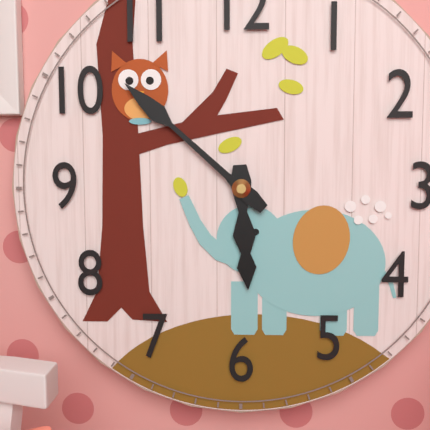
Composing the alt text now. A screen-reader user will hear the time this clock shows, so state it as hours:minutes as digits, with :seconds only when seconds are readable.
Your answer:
5:52
